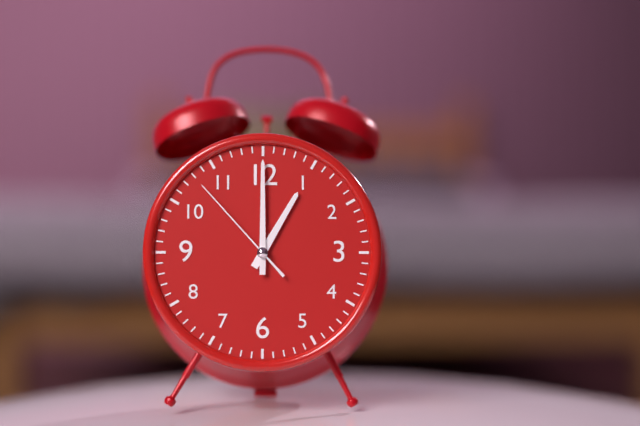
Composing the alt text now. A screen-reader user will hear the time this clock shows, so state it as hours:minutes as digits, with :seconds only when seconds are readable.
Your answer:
1:00:53
